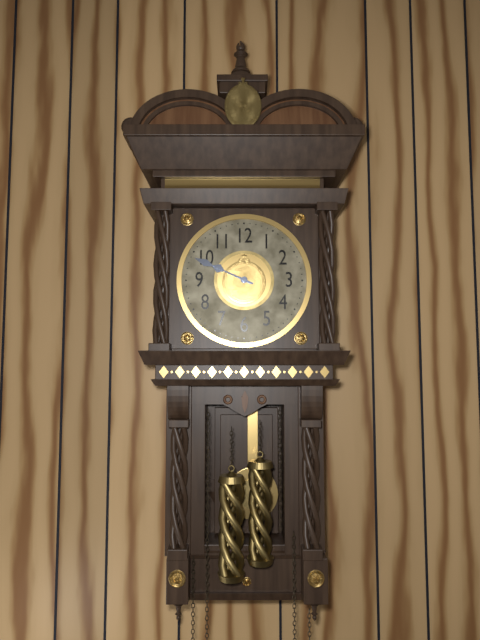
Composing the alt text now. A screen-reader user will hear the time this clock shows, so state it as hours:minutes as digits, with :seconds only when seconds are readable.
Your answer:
9:49
